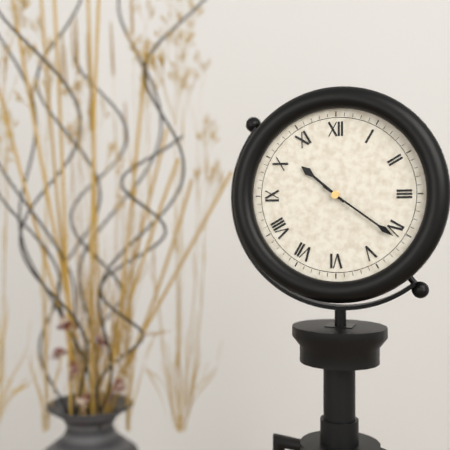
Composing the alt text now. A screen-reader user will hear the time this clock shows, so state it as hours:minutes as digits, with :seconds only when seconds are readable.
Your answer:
10:21
